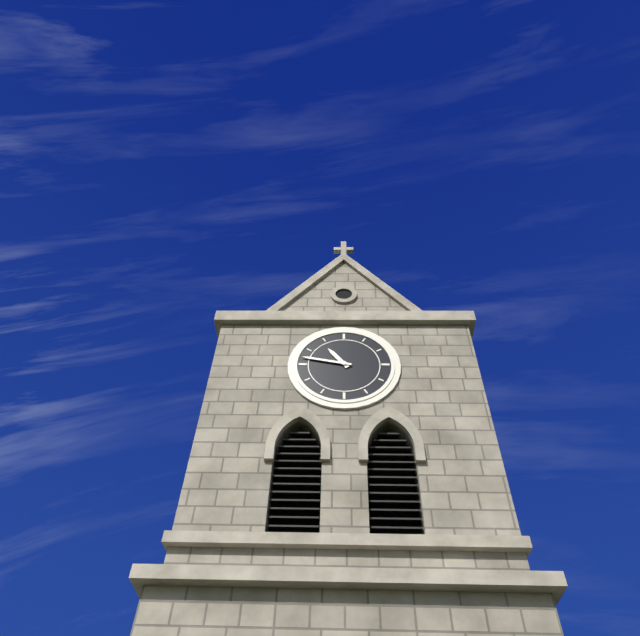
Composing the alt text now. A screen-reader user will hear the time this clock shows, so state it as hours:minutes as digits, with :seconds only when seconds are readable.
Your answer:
10:47
